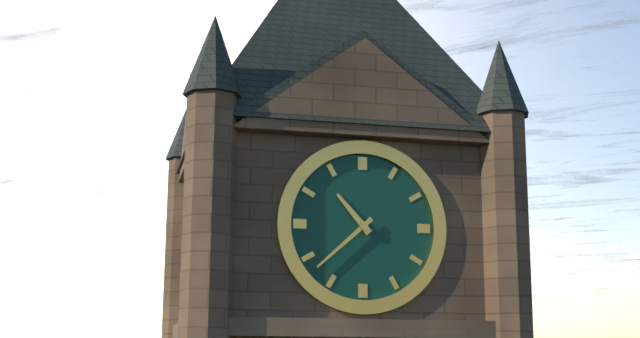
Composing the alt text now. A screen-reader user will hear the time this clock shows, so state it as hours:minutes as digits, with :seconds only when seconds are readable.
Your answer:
10:38
